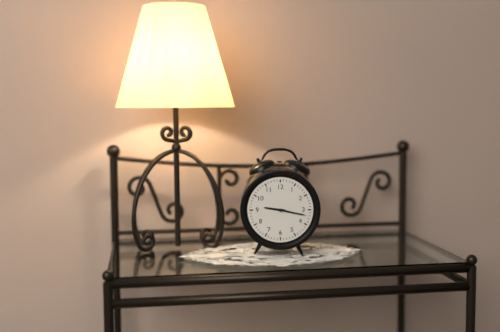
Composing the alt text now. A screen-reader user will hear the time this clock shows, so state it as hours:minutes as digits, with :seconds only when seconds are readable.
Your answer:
9:17
